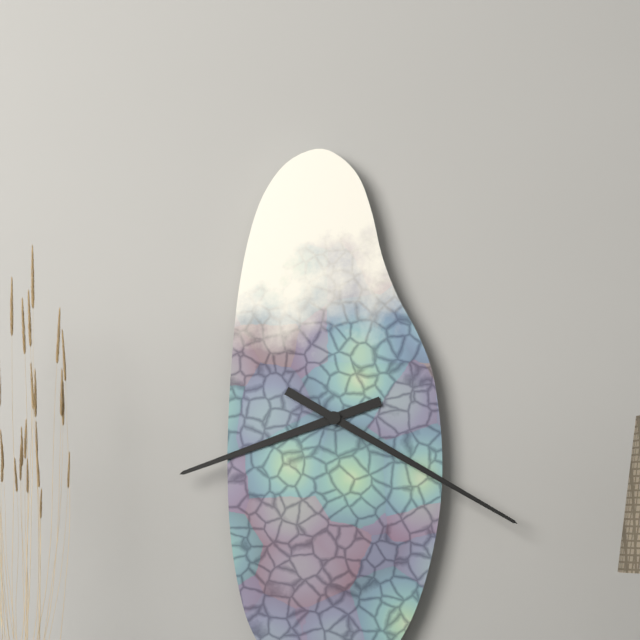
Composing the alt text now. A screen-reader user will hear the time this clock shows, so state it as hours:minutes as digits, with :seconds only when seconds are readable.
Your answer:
8:20
